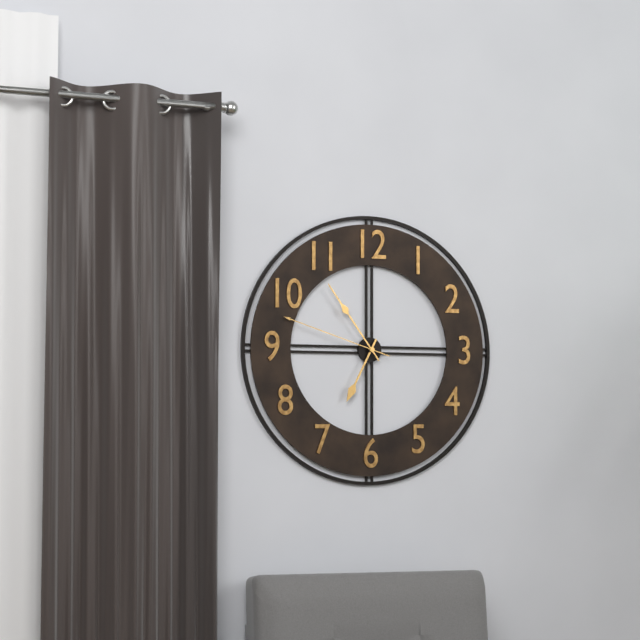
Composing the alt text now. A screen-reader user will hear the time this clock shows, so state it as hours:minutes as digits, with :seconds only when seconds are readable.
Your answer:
6:54:48
